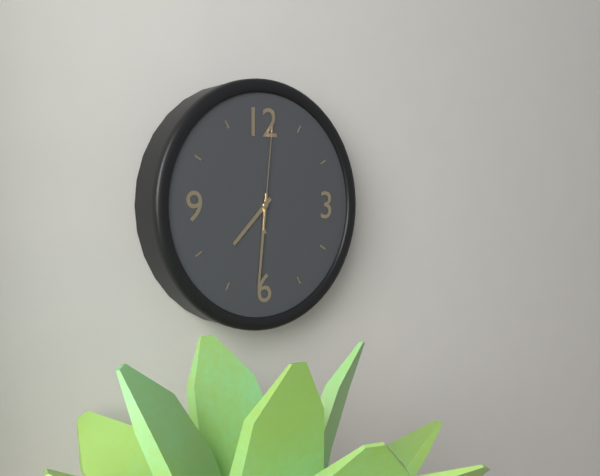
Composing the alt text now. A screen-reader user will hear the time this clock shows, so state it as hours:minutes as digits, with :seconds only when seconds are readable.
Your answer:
7:31:01
